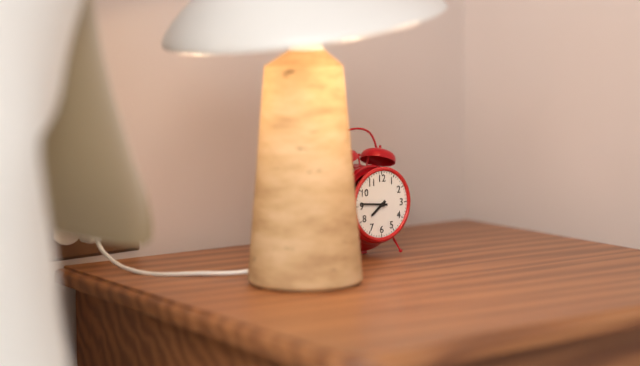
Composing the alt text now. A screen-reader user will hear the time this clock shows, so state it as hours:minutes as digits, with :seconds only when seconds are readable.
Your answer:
7:46
